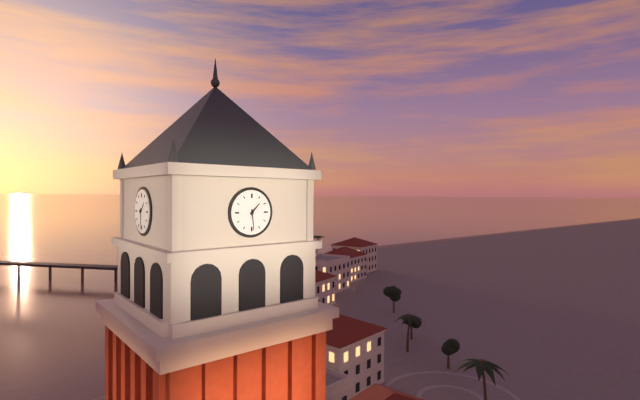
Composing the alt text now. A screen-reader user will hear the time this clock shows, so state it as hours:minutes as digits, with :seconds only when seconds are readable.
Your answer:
1:29
